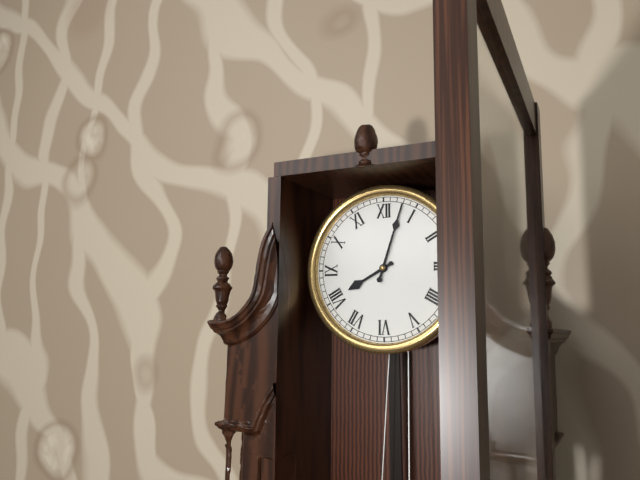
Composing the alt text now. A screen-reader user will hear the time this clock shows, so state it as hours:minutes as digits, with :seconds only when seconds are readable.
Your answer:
8:03
